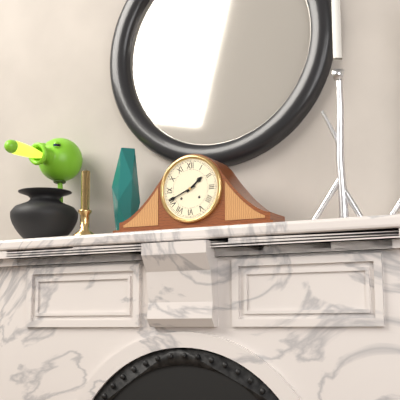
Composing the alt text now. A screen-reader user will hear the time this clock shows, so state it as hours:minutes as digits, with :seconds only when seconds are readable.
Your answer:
1:41
